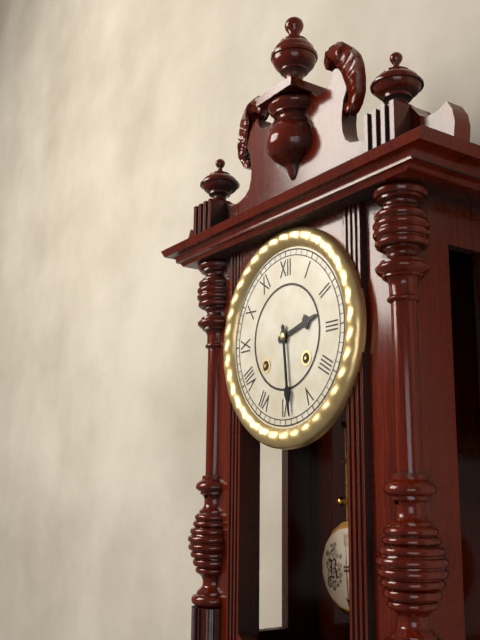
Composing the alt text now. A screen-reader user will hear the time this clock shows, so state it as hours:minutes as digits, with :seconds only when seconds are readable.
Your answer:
2:29
